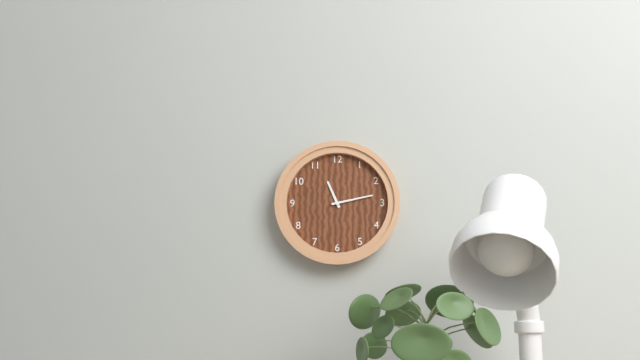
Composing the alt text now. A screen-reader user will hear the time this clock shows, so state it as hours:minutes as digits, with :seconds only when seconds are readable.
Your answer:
11:13
